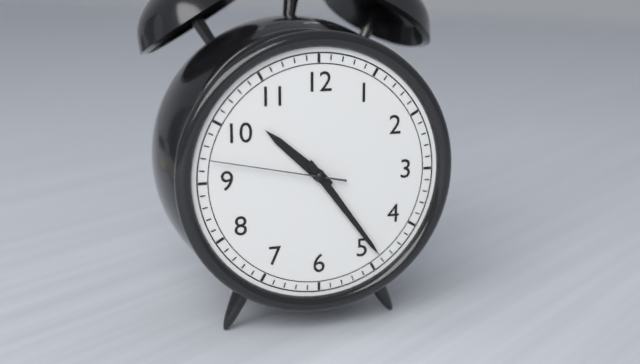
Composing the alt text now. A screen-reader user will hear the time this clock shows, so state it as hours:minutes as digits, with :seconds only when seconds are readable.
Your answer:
10:24:47
